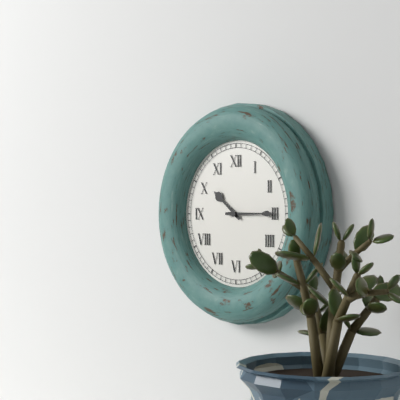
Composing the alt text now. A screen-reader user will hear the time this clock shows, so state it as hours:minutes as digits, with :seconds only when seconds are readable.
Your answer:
10:15
